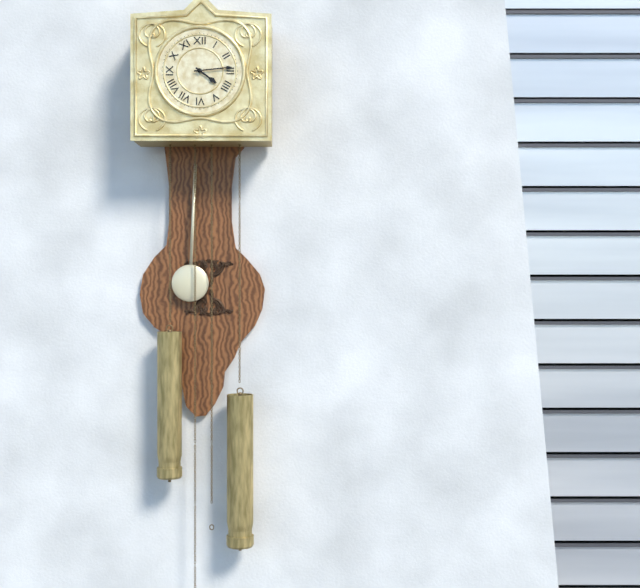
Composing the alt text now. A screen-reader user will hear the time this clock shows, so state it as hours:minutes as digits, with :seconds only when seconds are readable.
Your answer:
4:14
